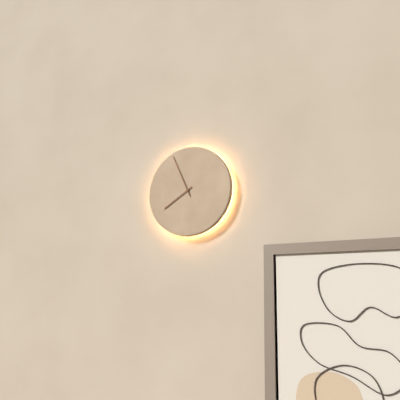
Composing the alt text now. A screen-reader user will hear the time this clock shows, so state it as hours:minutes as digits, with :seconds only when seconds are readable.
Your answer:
7:56
